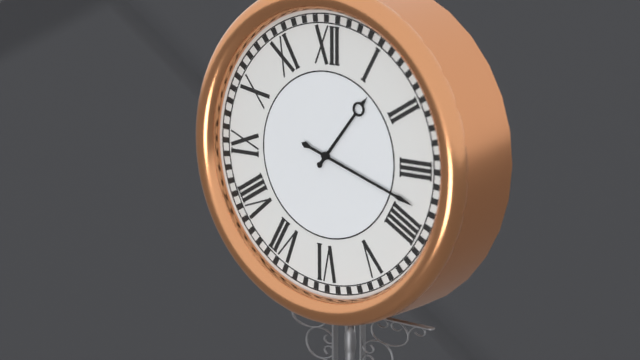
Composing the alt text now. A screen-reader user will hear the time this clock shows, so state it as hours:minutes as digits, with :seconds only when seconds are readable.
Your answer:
1:18
